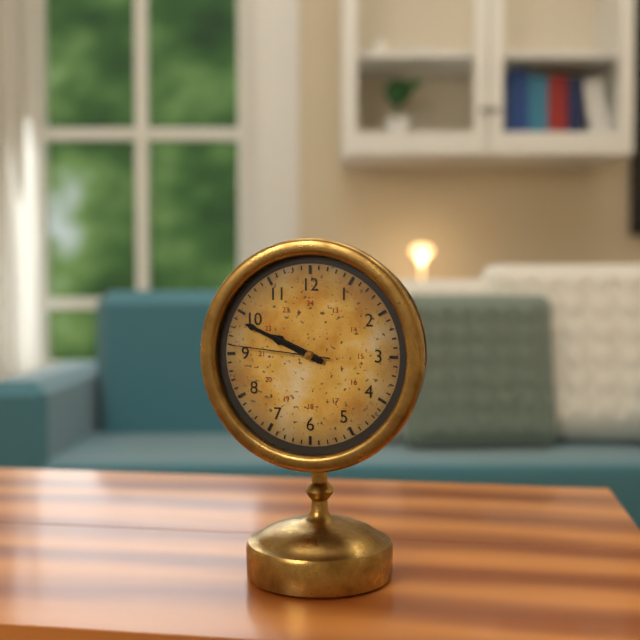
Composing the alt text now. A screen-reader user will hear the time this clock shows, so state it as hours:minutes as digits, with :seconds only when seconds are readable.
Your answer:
9:49:46
